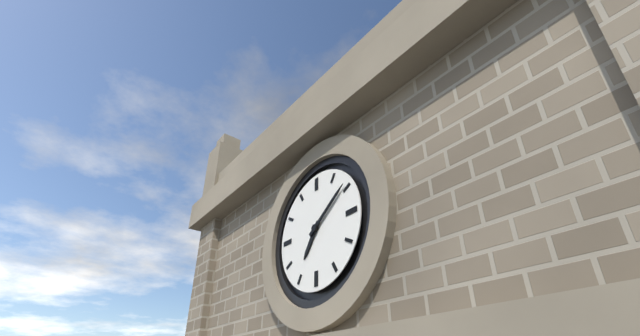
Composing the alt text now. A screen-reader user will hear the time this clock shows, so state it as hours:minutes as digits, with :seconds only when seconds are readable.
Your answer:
7:09
